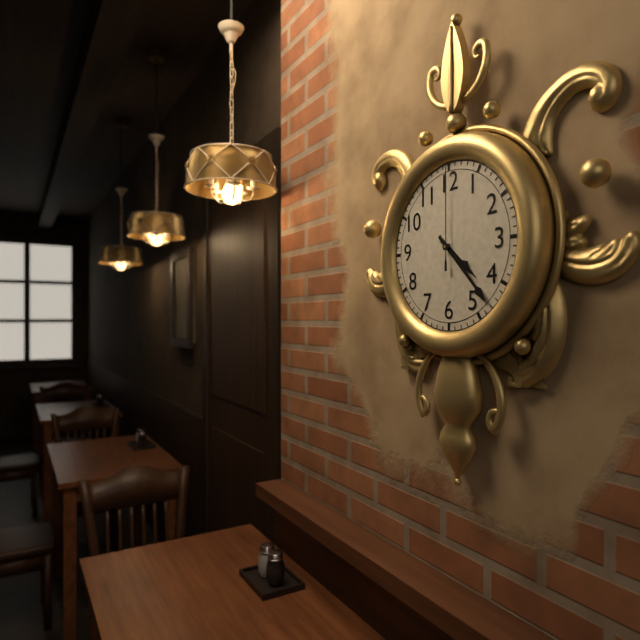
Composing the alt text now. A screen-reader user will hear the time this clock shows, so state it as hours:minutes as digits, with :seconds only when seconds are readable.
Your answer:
4:23:00
